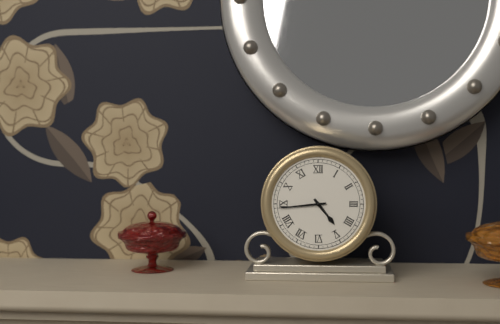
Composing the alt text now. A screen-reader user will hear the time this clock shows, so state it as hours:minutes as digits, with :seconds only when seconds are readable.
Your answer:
4:44
